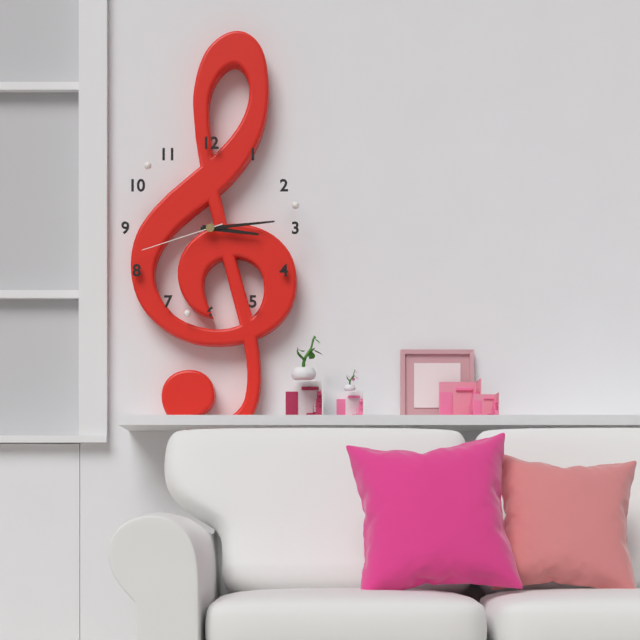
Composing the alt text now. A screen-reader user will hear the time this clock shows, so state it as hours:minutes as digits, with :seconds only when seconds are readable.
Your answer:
3:14:42
